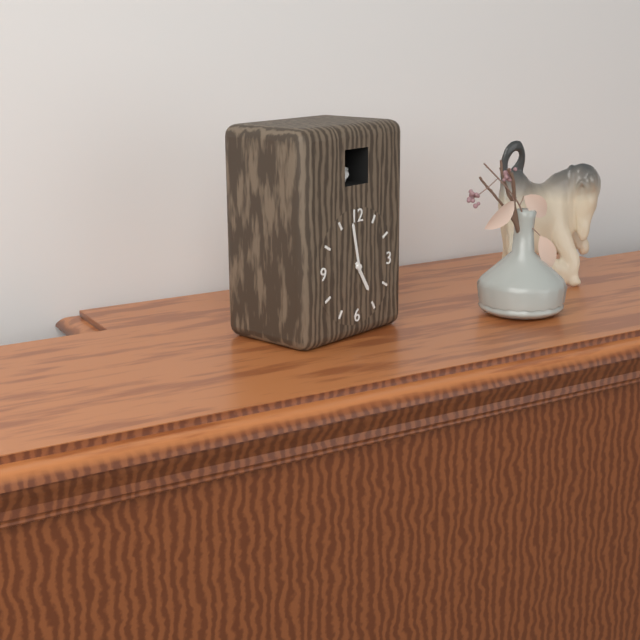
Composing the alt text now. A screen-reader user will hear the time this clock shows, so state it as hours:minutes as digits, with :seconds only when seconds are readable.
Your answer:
4:58
